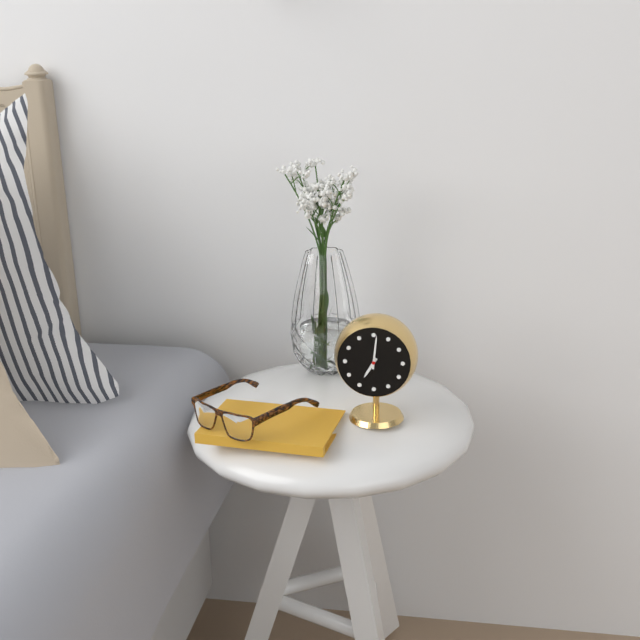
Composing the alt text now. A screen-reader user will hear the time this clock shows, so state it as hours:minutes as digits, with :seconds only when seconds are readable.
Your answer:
7:01
